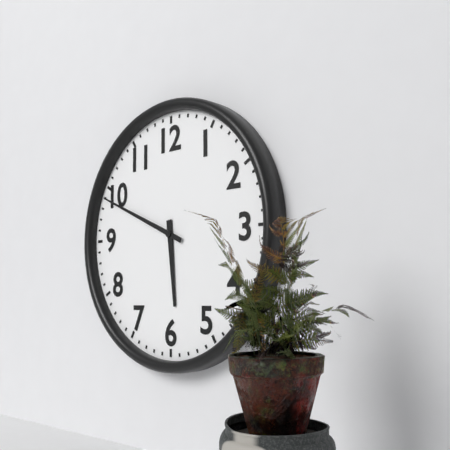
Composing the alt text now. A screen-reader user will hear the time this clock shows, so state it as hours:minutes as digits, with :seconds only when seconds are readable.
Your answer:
5:49
